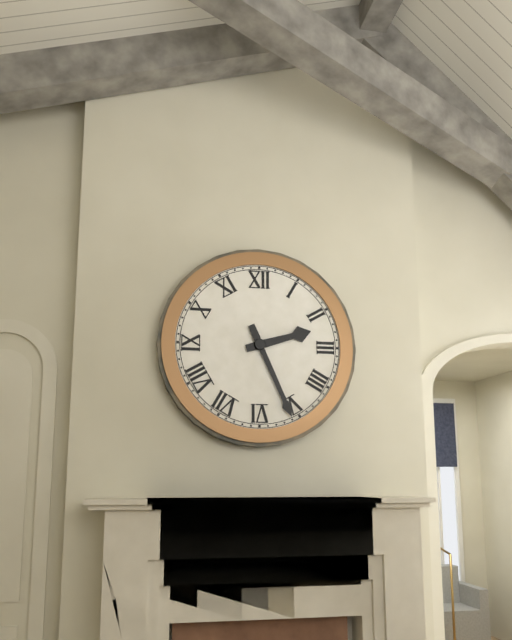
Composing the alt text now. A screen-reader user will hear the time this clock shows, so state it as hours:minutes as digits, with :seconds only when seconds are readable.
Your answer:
2:26
